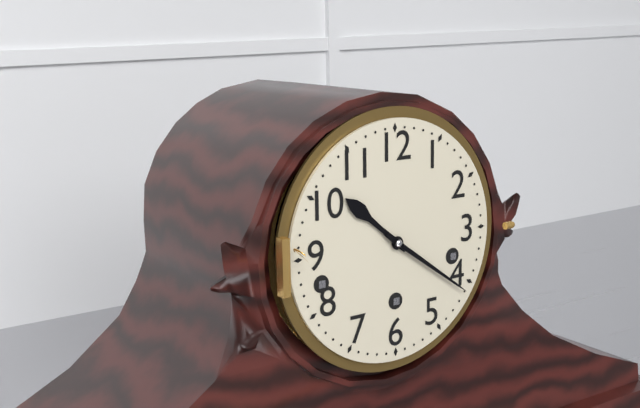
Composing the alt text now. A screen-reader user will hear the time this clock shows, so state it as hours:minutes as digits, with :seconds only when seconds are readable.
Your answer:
10:21
